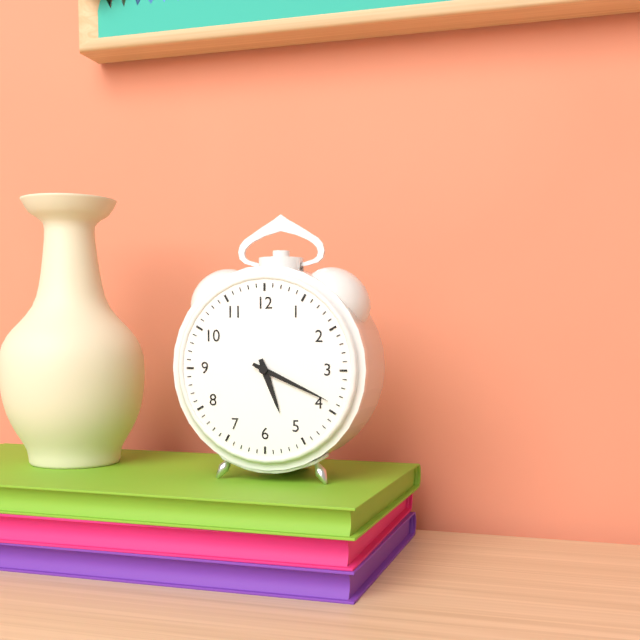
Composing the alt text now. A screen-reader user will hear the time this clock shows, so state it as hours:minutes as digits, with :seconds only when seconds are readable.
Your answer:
5:19
